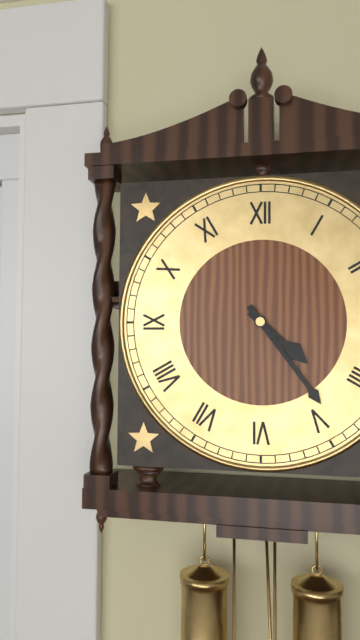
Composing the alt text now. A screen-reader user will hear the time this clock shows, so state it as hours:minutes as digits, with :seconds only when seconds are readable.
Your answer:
4:24
